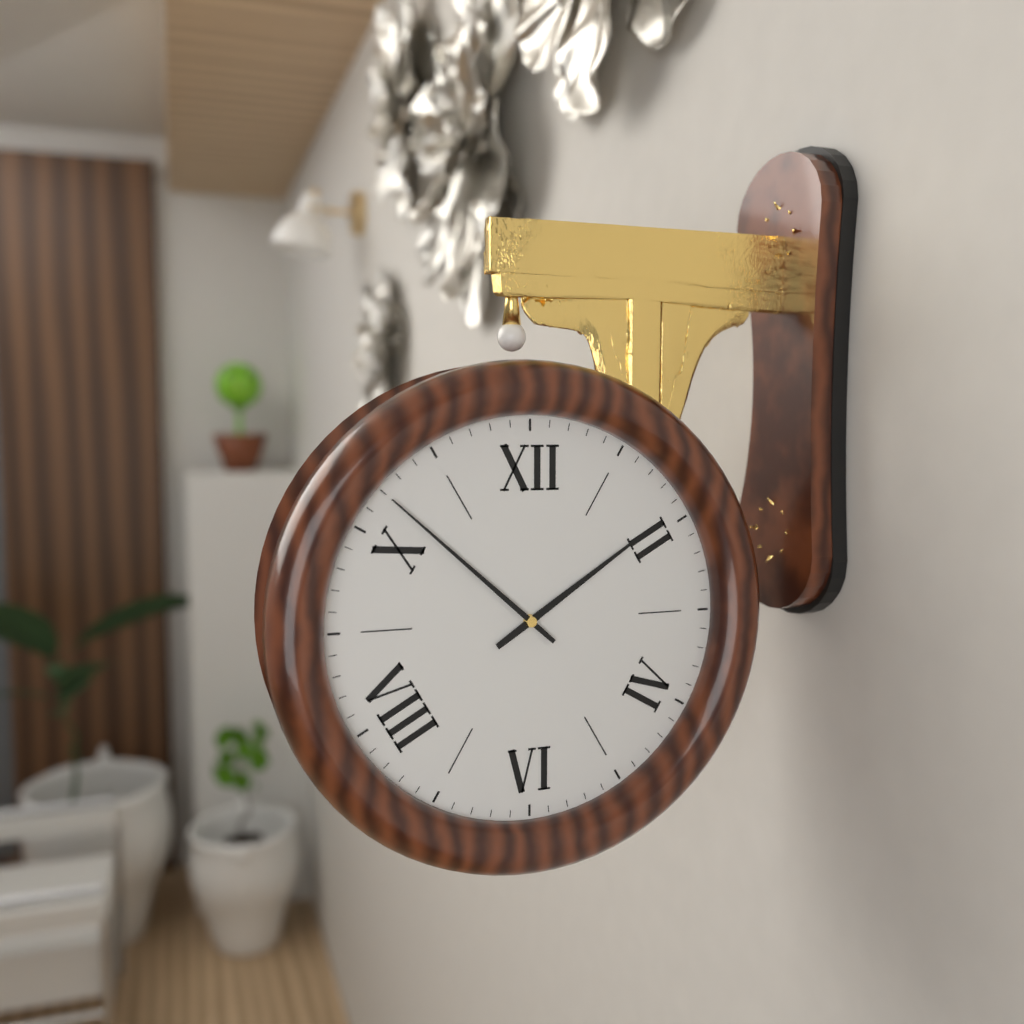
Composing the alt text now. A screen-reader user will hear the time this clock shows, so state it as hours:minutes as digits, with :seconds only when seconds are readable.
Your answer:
1:52
